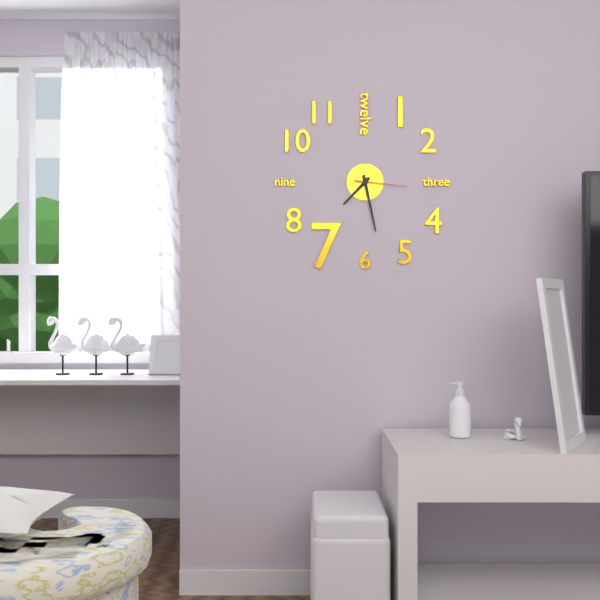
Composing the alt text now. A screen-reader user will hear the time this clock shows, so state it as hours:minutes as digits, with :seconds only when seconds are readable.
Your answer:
7:28:16
